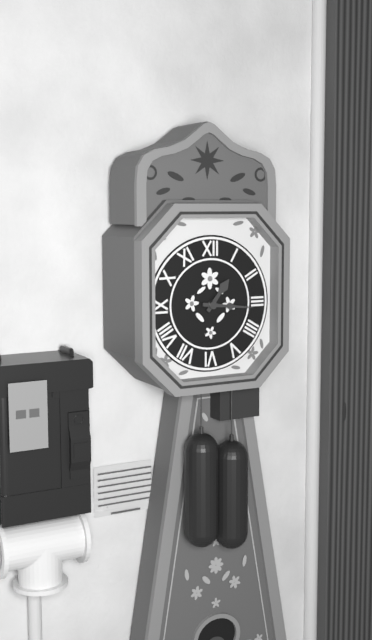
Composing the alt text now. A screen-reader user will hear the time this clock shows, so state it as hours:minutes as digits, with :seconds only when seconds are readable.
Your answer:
1:16
